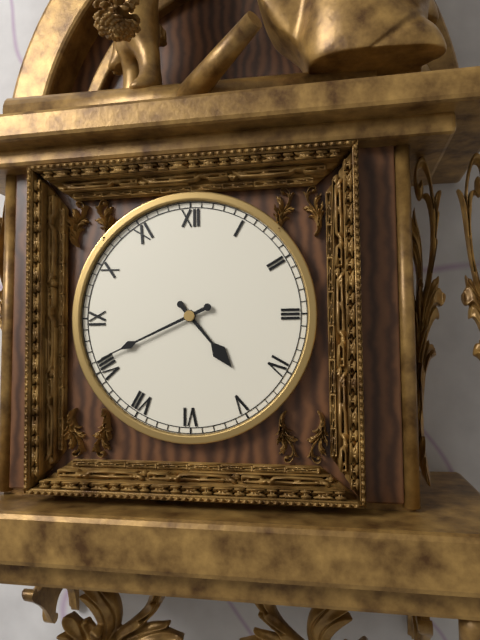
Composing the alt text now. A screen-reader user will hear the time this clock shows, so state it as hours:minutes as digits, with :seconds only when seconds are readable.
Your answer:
4:41
